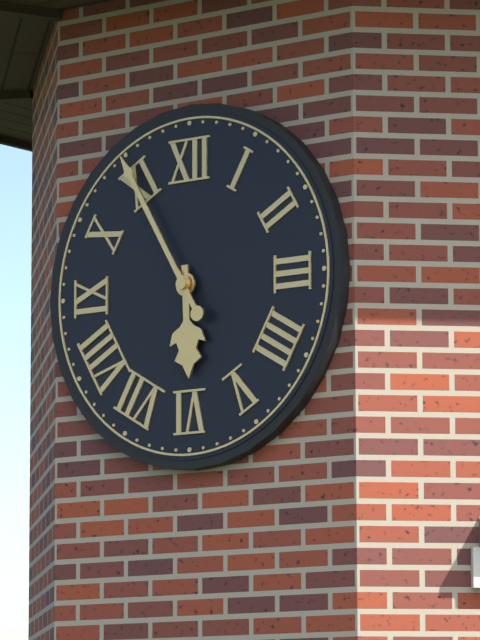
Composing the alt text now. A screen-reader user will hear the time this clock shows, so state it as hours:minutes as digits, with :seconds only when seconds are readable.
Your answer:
5:55
